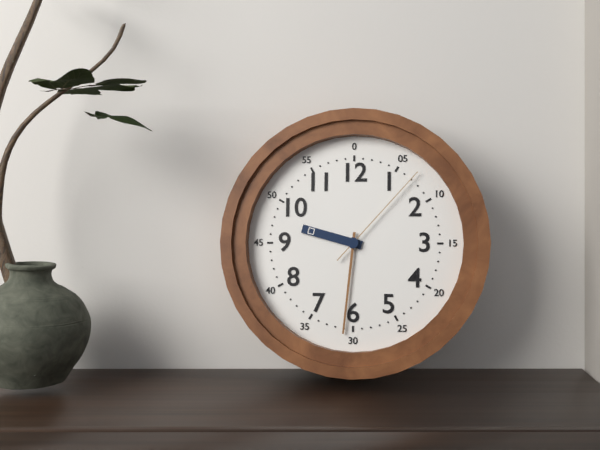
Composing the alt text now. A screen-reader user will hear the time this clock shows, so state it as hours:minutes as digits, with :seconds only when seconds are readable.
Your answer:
9:31:07
